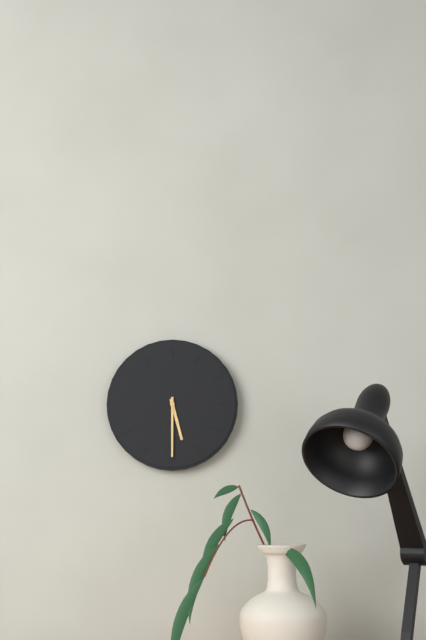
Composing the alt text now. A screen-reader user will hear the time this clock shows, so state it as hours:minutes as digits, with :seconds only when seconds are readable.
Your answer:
5:30
